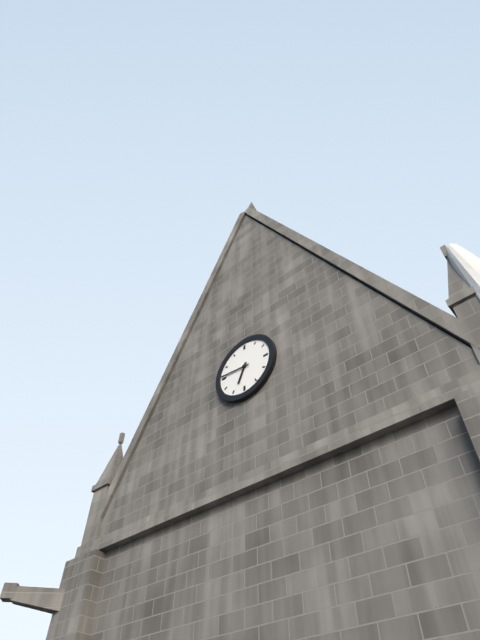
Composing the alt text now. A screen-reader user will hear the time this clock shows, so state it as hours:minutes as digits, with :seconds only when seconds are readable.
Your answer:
6:46
